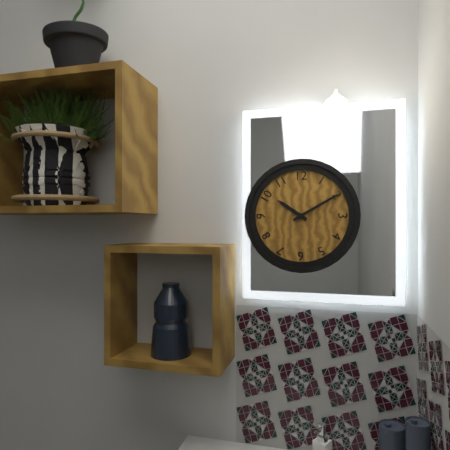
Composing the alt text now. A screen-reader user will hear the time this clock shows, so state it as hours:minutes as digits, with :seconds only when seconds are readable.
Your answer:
10:10
